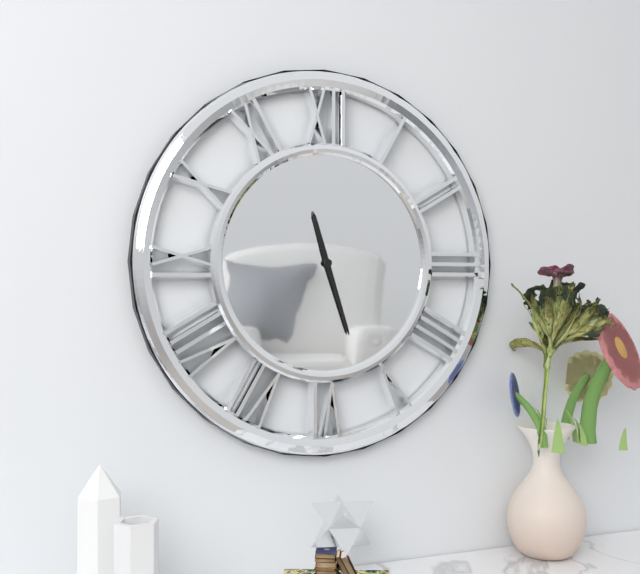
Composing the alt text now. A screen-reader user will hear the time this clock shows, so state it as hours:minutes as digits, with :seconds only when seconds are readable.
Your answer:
11:27
